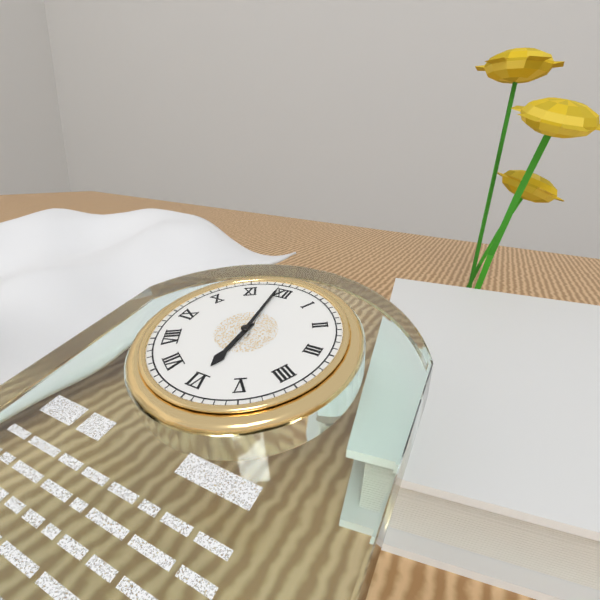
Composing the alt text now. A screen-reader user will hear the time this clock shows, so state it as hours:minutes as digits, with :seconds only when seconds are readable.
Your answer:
5:59
